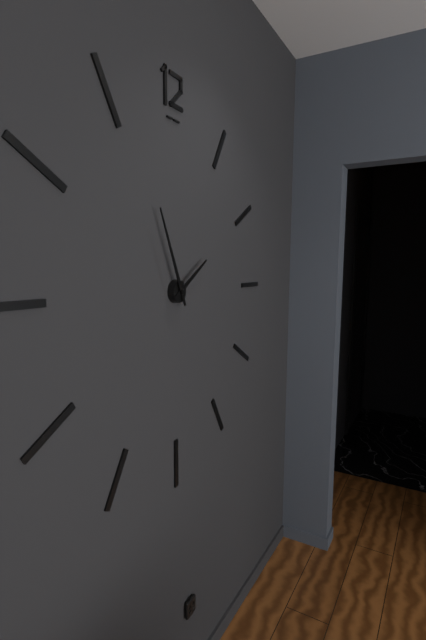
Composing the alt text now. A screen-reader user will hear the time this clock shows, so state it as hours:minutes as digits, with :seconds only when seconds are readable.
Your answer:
1:56
